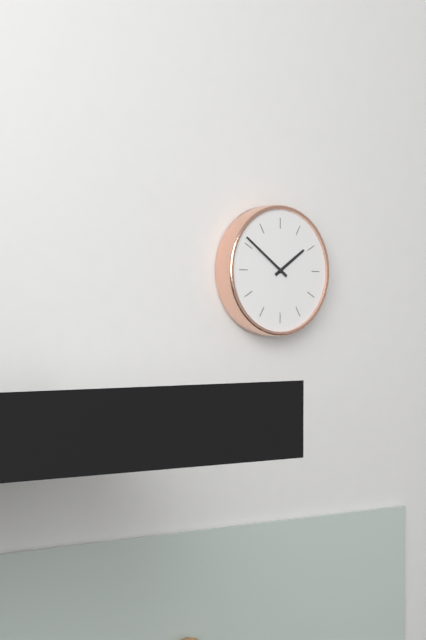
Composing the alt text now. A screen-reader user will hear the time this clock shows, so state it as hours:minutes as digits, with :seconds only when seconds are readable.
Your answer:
1:51
